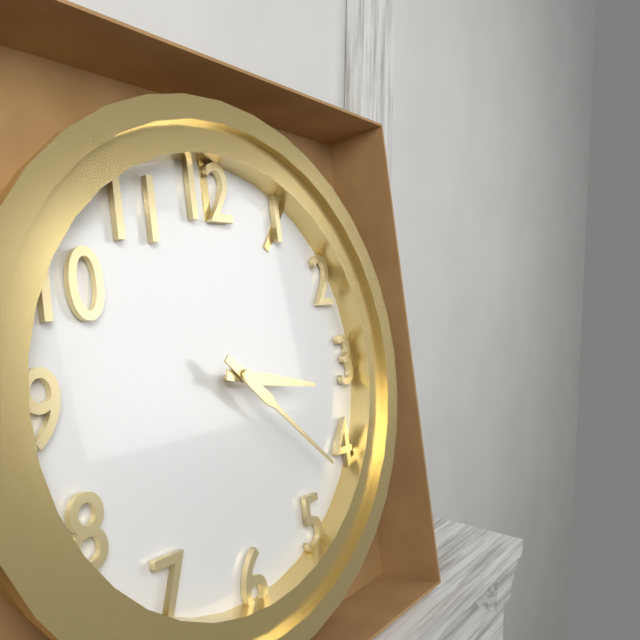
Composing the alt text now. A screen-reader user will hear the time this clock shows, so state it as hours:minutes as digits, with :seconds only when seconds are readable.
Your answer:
3:22
